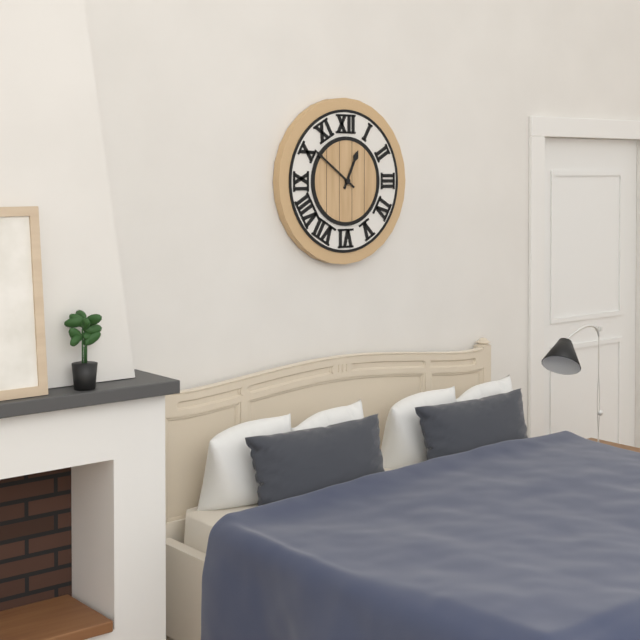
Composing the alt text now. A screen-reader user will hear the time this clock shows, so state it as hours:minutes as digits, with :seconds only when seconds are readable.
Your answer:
12:51
